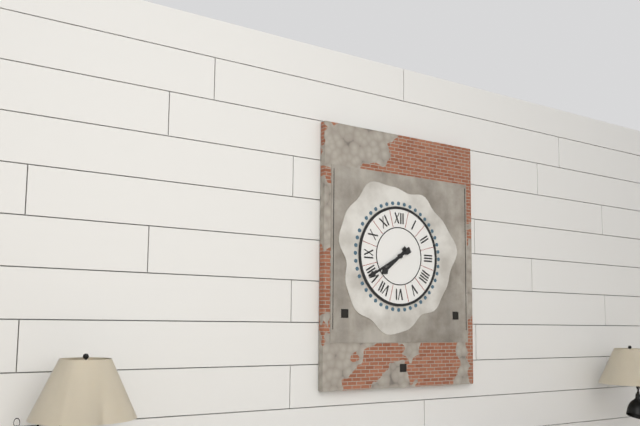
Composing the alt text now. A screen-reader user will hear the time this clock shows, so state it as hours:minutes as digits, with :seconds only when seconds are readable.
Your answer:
7:40
